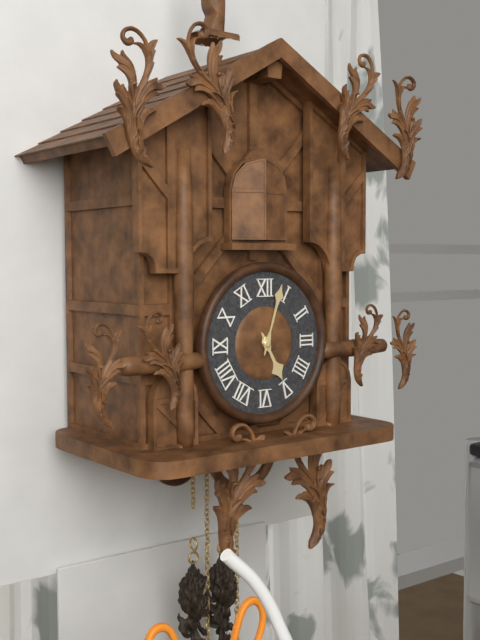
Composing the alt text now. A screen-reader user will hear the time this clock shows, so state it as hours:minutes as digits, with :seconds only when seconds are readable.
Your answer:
5:03
